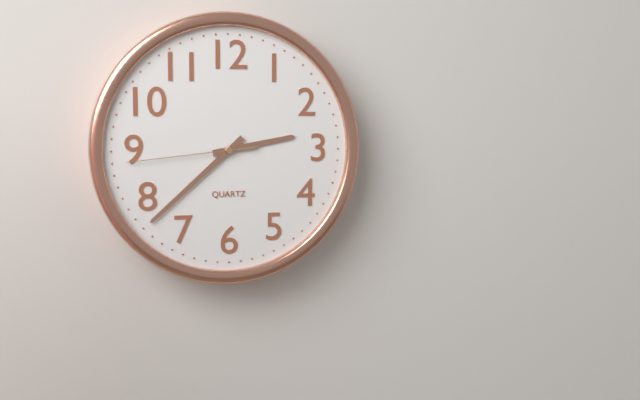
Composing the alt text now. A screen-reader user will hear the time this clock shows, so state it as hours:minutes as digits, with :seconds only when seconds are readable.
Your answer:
2:38:44
